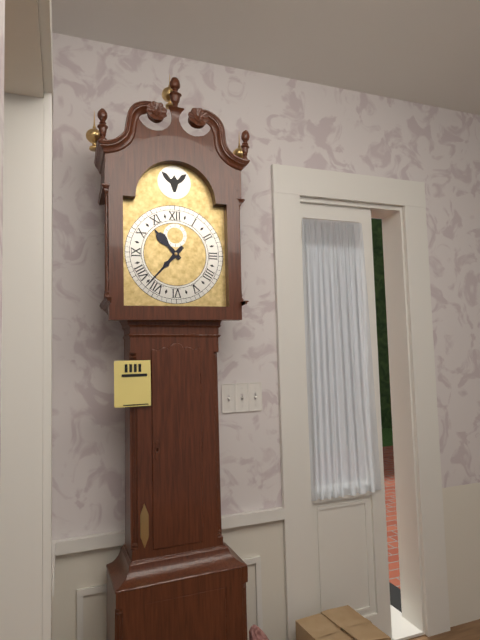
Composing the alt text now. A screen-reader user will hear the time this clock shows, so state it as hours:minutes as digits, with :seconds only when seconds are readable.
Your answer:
10:37
